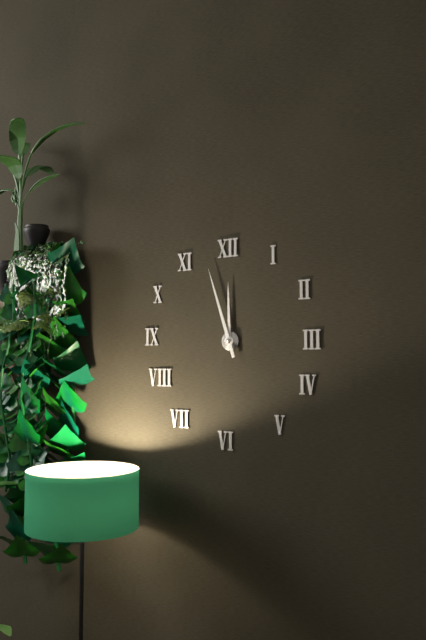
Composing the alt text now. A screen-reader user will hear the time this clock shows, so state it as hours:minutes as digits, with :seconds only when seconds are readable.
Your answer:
11:57
